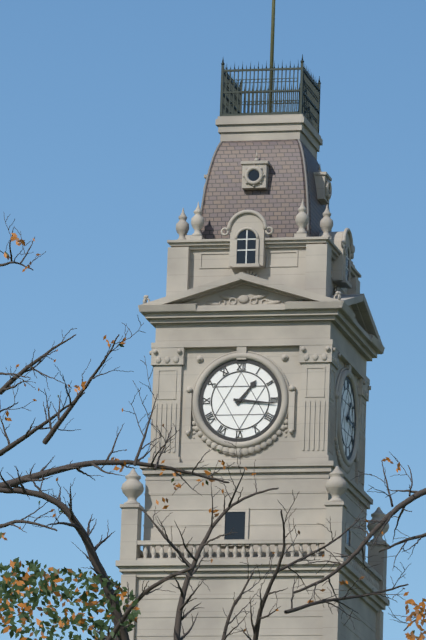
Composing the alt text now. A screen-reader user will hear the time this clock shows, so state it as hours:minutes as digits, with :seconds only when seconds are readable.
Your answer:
1:16
